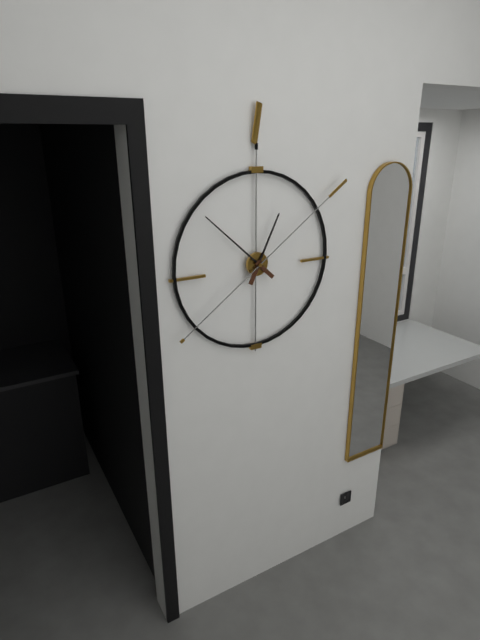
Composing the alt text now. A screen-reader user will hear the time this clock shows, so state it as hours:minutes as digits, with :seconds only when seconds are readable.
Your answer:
12:52:09
